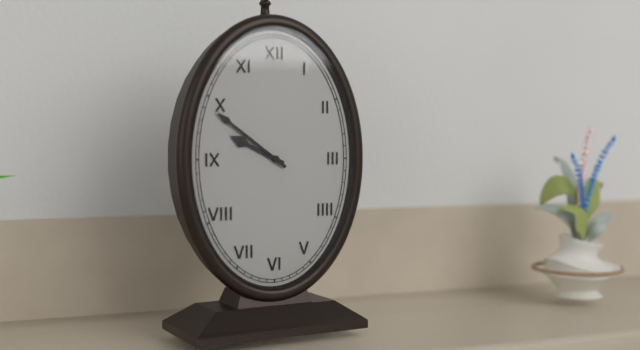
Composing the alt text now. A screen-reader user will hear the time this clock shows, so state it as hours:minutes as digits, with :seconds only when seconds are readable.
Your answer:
9:51
